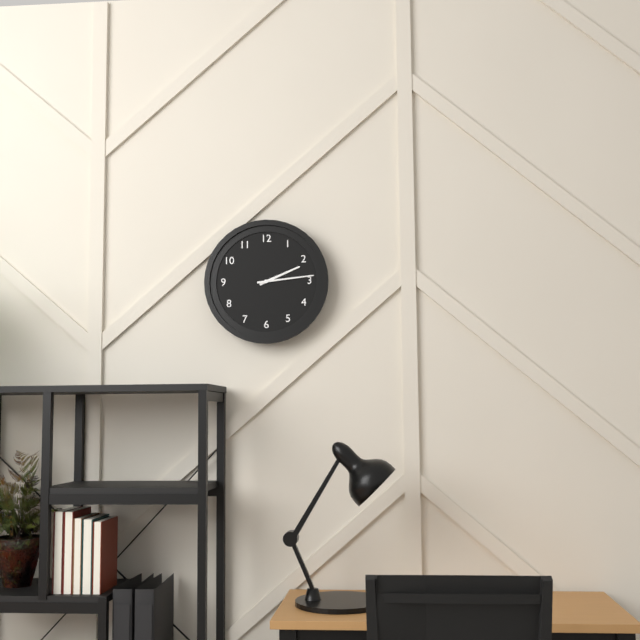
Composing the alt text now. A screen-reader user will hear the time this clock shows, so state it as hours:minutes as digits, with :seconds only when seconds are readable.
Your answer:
2:14
